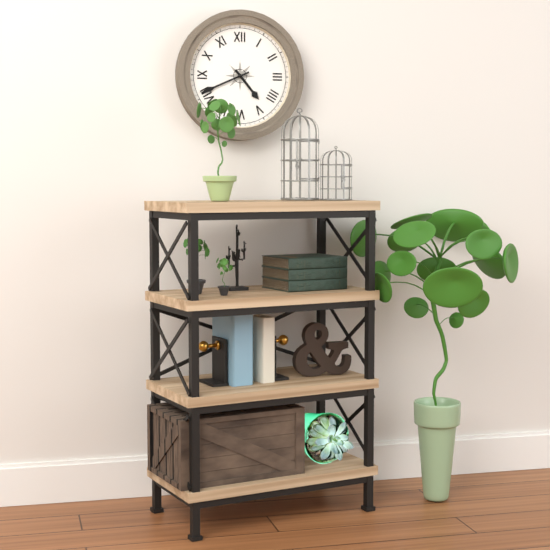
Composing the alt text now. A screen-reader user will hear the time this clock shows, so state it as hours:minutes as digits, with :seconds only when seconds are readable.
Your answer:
4:41
